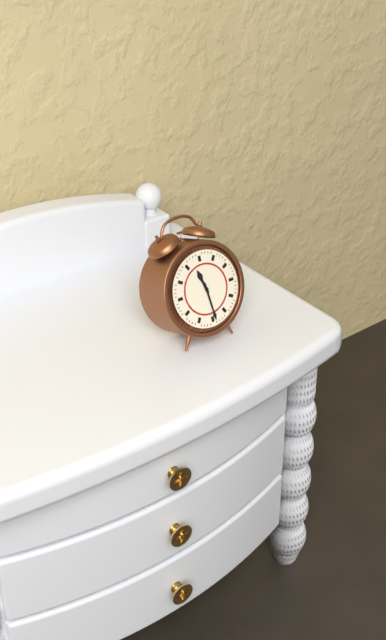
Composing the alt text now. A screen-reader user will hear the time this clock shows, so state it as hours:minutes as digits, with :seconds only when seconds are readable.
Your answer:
11:29
